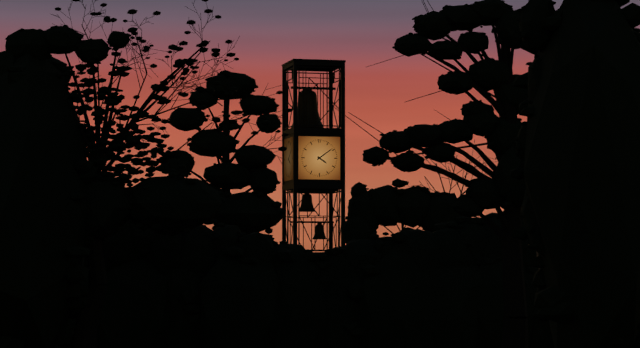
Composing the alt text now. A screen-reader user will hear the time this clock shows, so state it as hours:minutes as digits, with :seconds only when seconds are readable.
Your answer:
4:09
